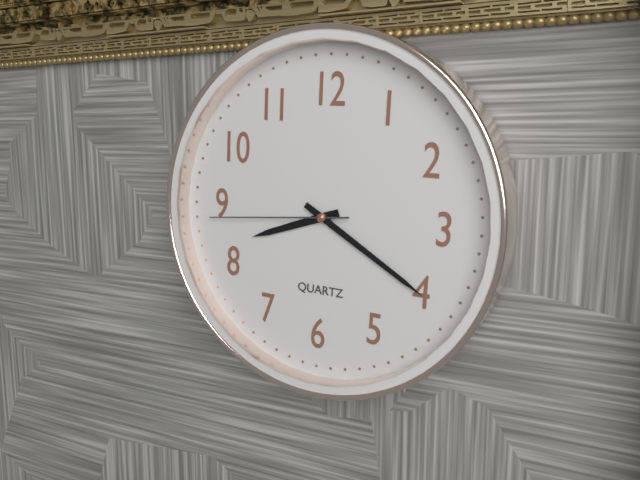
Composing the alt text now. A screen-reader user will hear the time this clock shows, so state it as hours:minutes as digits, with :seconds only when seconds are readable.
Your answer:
8:20:44
